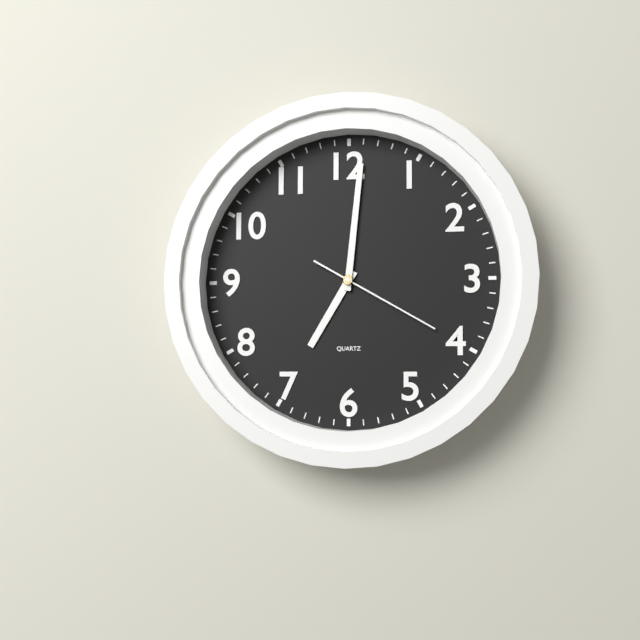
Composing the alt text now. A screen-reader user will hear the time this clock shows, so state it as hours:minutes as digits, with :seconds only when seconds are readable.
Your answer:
7:01:20
